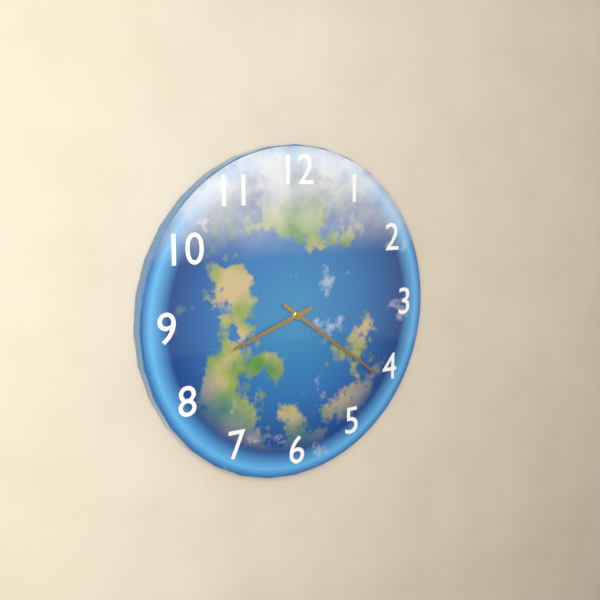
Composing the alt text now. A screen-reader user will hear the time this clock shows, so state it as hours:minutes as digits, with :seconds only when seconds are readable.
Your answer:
8:21
